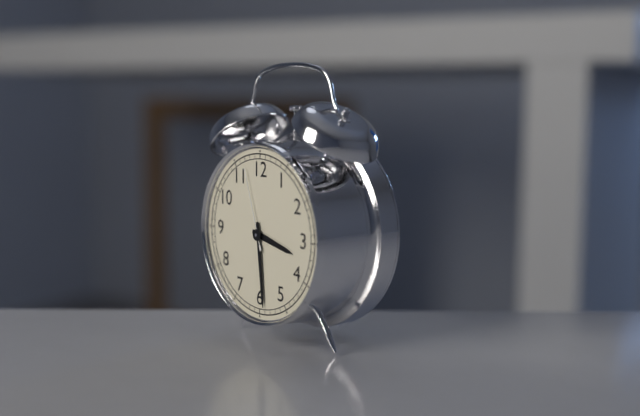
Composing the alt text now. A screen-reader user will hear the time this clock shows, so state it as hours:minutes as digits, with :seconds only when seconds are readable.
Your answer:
3:29:57
